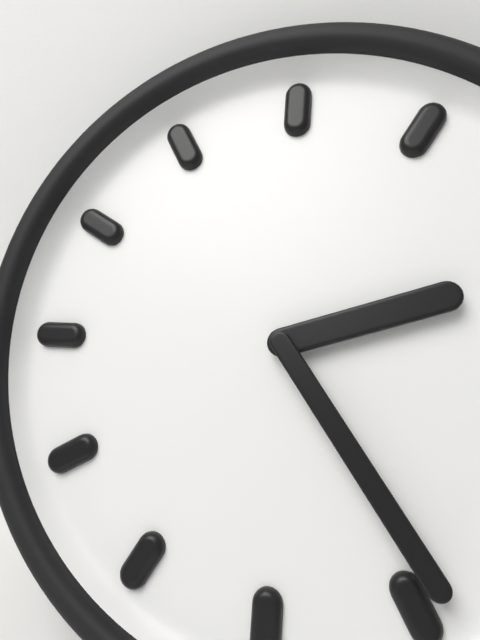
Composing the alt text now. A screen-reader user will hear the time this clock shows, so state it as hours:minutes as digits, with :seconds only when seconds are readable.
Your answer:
2:24
